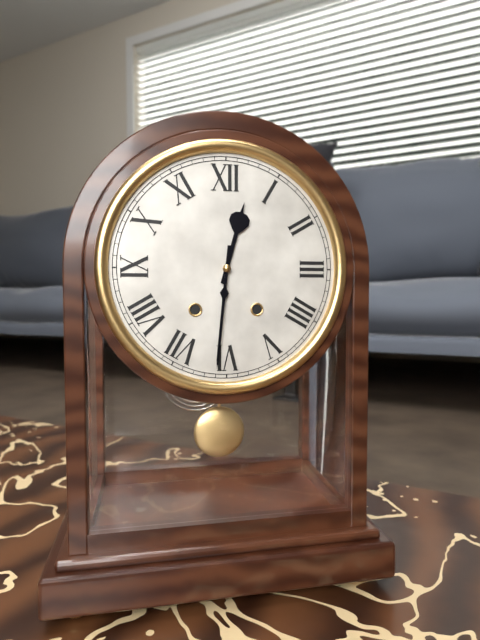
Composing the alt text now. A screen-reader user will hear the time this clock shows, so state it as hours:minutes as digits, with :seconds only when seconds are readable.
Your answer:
12:31
